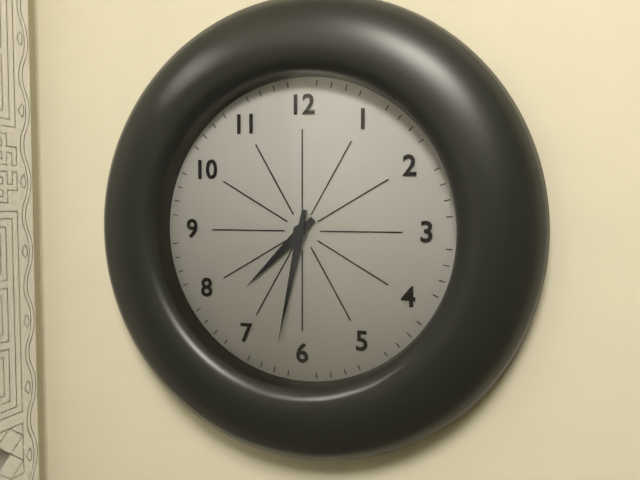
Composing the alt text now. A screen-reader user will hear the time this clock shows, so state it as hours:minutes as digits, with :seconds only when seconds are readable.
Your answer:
7:32
